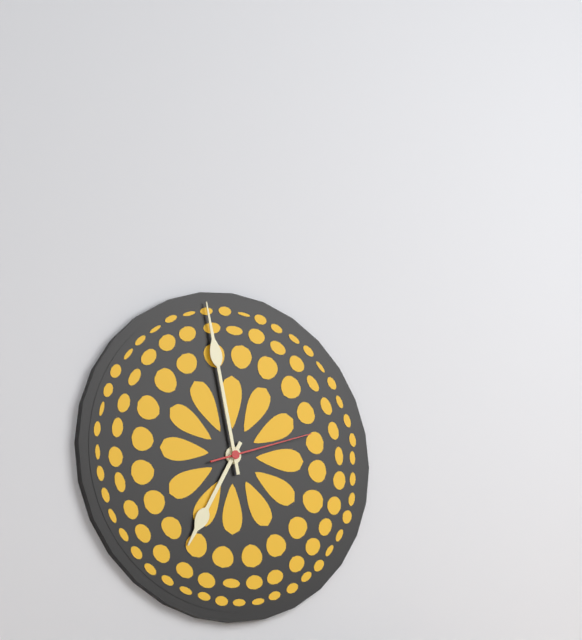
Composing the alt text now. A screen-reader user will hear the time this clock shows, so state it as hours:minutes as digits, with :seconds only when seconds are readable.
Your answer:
6:58:12
